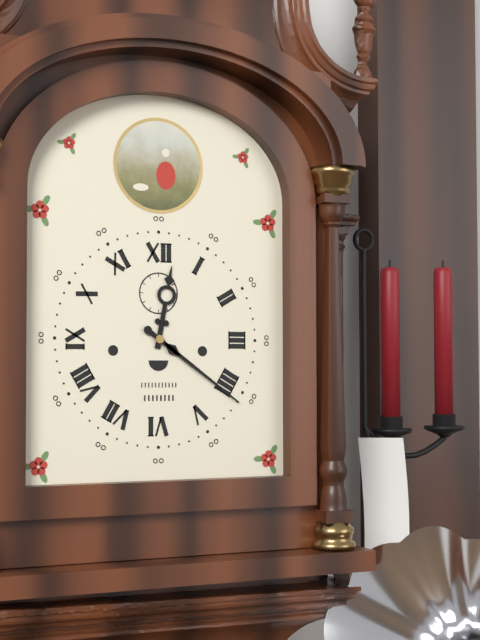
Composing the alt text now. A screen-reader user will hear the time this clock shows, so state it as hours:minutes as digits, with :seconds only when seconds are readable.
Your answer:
12:21
